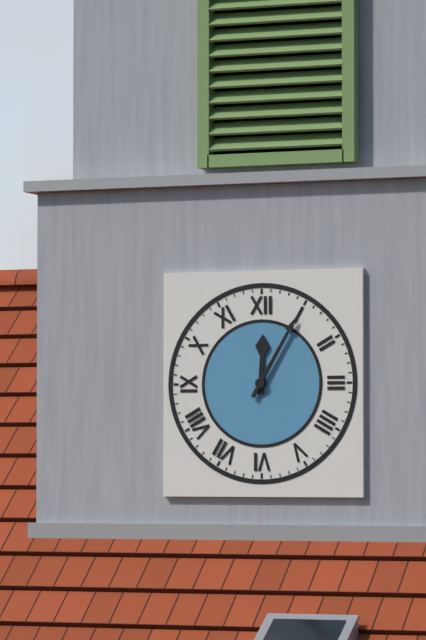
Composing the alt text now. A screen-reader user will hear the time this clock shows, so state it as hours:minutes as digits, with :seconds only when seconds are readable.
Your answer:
12:05
